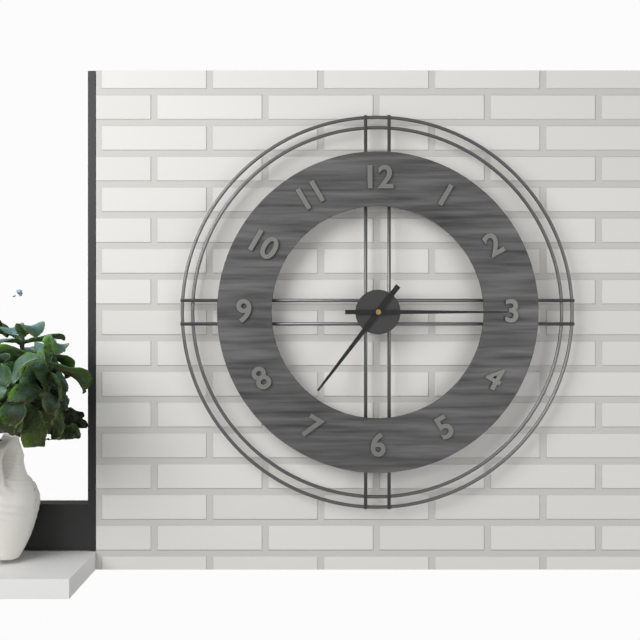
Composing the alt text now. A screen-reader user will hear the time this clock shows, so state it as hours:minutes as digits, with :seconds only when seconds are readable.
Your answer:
7:15
